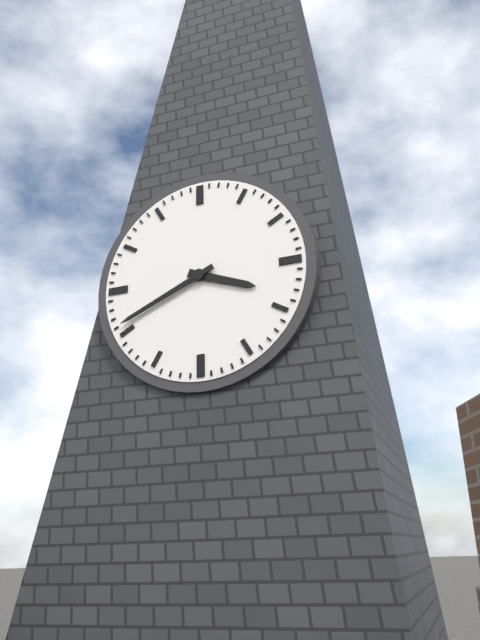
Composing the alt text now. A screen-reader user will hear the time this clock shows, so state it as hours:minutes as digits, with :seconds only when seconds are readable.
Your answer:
3:41
